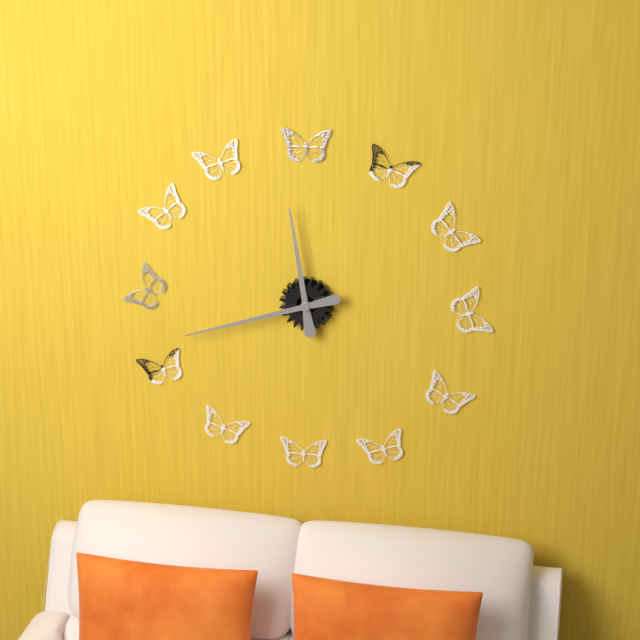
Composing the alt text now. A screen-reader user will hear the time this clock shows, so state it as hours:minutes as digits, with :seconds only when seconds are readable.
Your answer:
11:42
